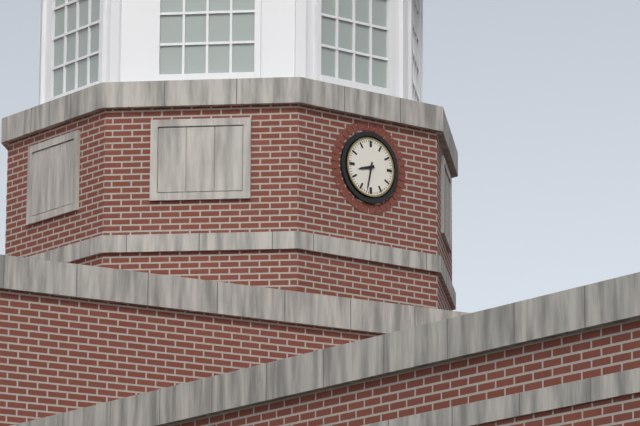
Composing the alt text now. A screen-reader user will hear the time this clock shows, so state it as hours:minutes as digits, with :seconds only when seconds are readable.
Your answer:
8:32
